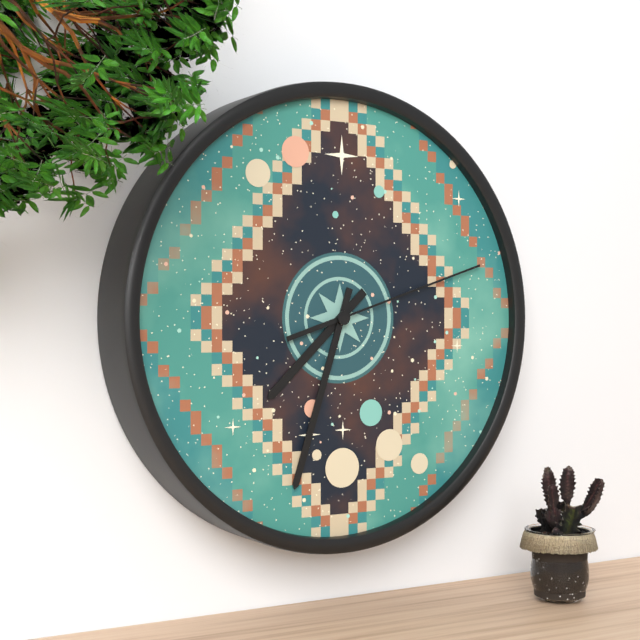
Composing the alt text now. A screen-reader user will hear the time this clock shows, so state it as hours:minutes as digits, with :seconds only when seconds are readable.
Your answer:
7:33:12
